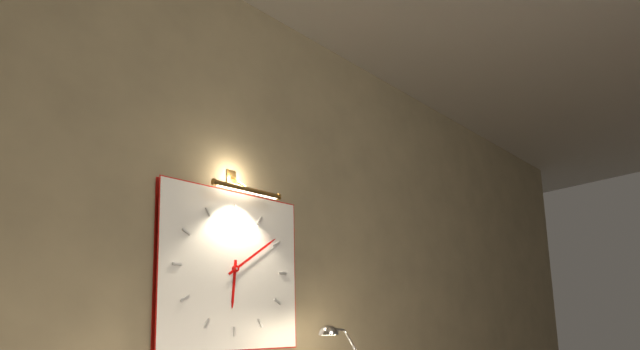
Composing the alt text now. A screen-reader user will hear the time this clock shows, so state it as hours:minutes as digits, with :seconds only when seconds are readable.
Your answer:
6:09
